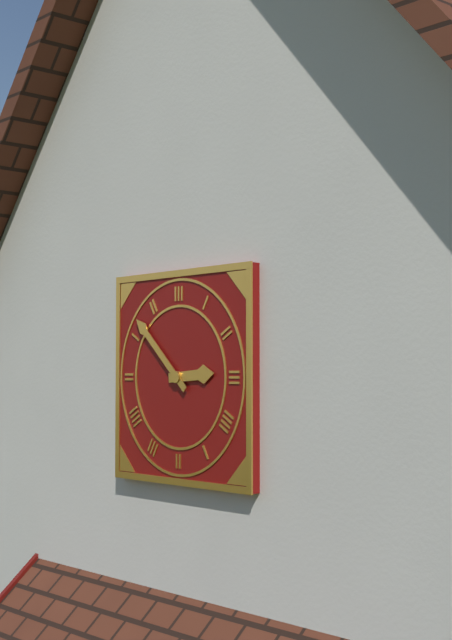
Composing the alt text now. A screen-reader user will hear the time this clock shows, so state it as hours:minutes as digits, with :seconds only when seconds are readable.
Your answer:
2:52
